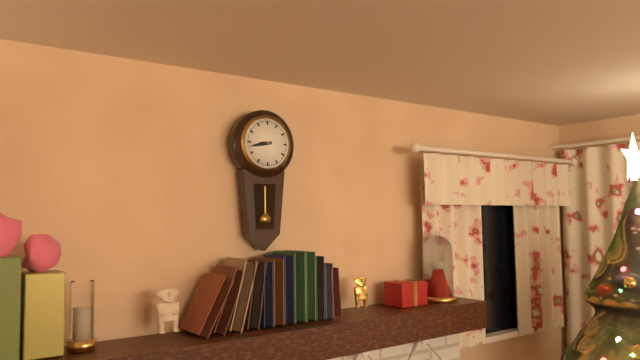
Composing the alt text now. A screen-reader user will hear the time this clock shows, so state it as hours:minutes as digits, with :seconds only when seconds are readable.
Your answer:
8:43
